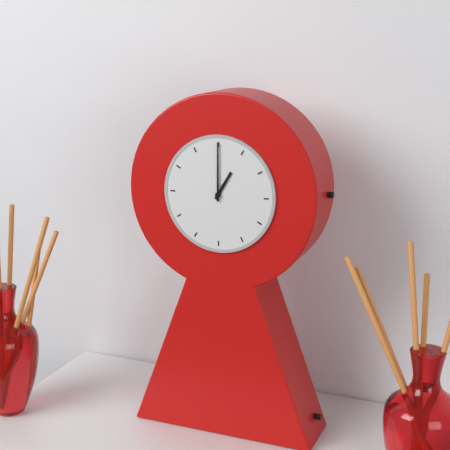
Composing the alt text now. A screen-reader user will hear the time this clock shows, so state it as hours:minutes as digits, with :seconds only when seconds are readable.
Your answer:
1:00
